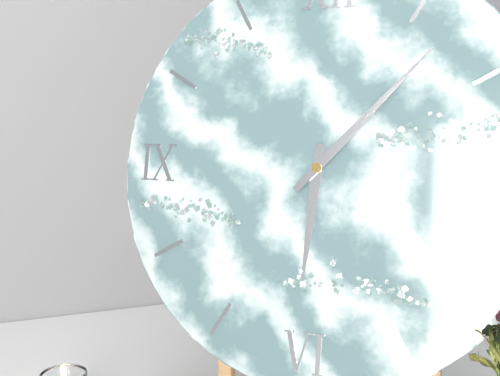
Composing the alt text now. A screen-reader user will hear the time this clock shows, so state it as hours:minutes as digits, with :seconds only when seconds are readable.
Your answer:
6:07
